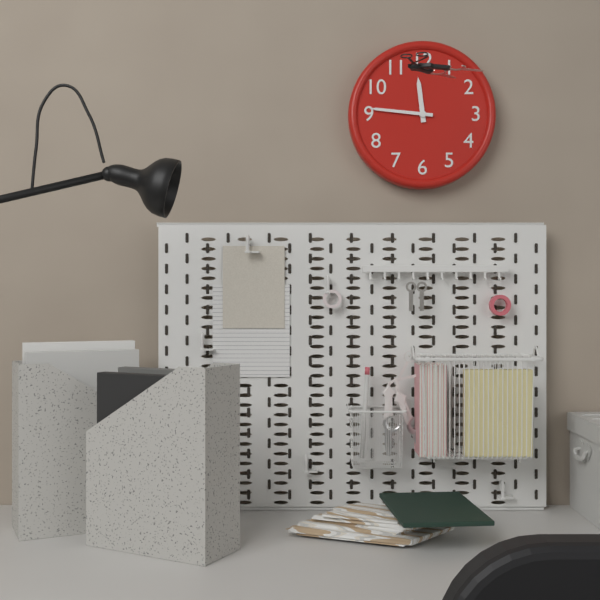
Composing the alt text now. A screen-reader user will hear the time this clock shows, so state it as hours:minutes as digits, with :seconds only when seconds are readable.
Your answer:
11:46
